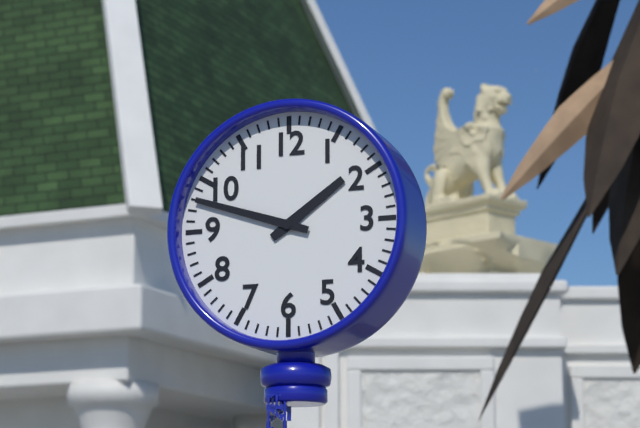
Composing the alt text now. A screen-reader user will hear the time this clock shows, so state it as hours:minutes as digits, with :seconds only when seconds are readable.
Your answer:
1:48
